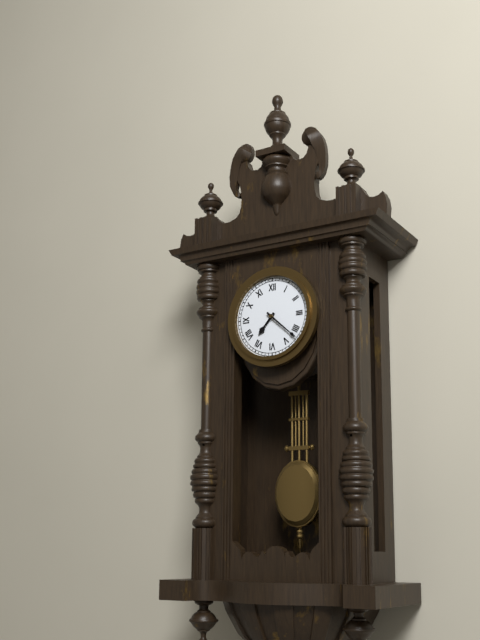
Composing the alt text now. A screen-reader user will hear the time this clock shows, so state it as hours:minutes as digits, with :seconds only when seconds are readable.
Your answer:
7:22
